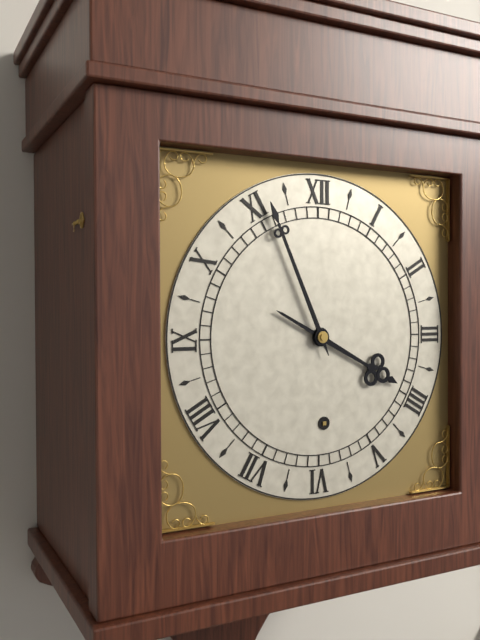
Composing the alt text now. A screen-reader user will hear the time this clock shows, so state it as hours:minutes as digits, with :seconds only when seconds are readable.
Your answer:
3:56
